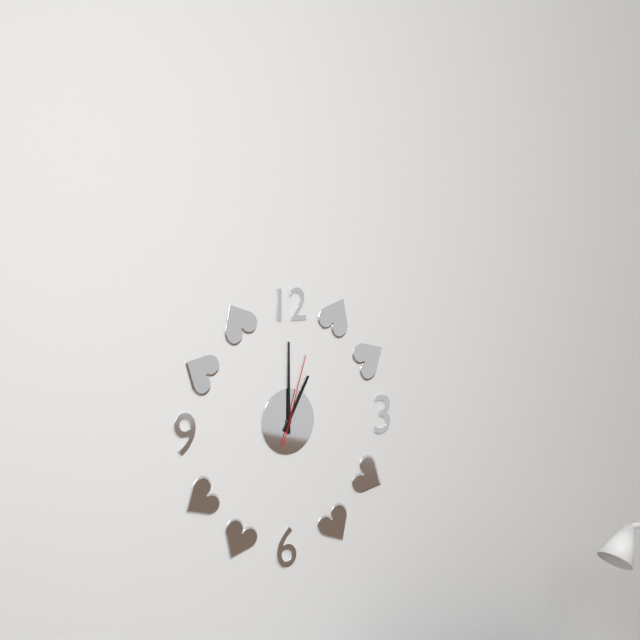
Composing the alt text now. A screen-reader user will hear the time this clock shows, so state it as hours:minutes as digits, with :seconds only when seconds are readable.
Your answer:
1:00:03
